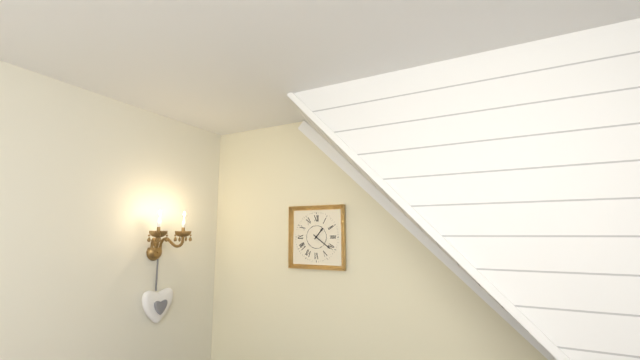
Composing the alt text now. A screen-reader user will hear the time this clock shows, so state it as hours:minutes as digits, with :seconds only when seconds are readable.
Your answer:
1:21
